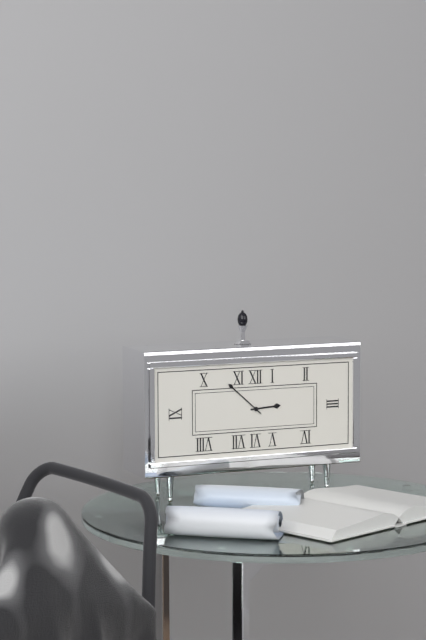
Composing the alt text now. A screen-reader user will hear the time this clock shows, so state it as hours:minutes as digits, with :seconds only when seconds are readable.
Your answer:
2:52
